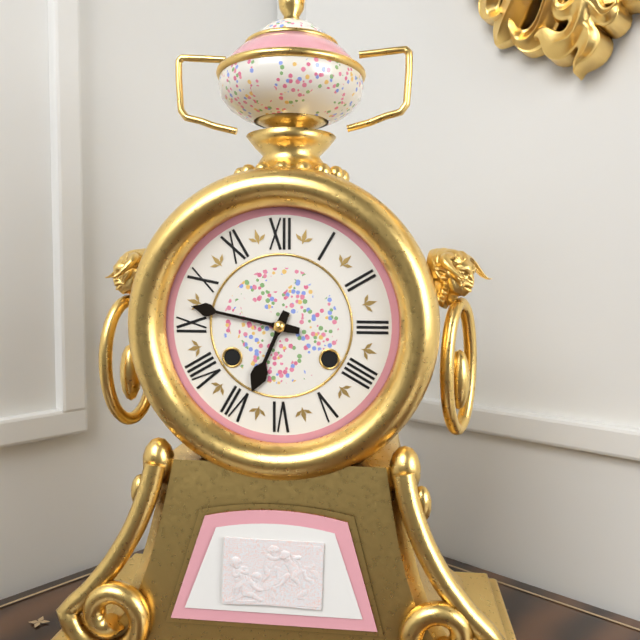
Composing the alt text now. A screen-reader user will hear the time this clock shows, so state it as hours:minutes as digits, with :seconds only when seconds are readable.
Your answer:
6:47
